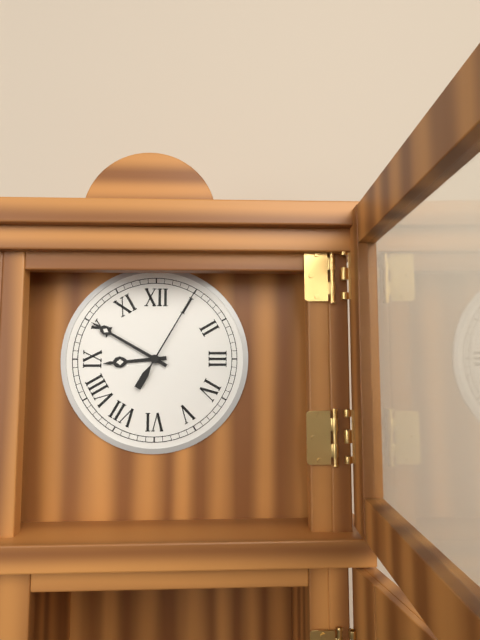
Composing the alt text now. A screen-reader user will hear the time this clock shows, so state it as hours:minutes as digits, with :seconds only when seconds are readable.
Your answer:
8:50:05
